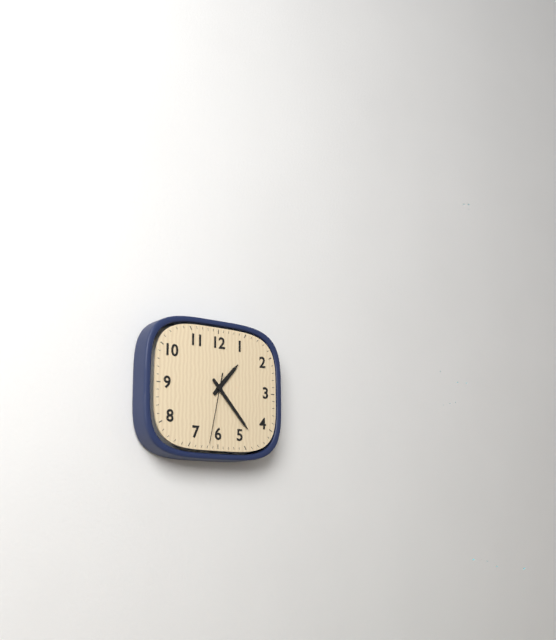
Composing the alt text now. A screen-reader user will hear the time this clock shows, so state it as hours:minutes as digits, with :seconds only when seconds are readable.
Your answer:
1:23:32
